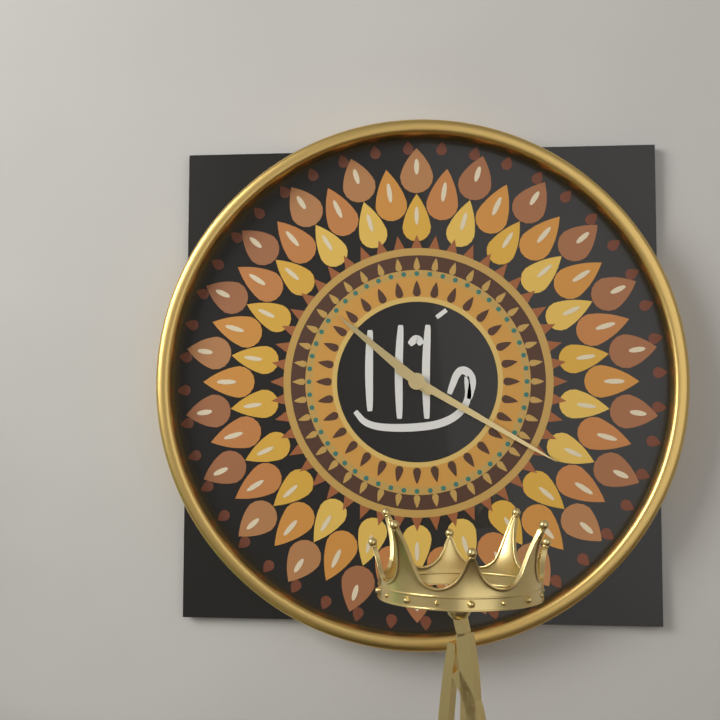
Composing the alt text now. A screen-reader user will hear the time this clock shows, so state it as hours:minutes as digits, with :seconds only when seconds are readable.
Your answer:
10:20
